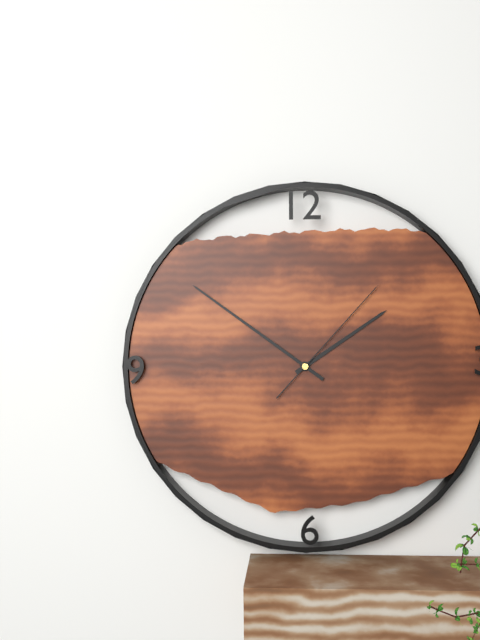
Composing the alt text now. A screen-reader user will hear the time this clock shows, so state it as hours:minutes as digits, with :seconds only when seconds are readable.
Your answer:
1:51:07
